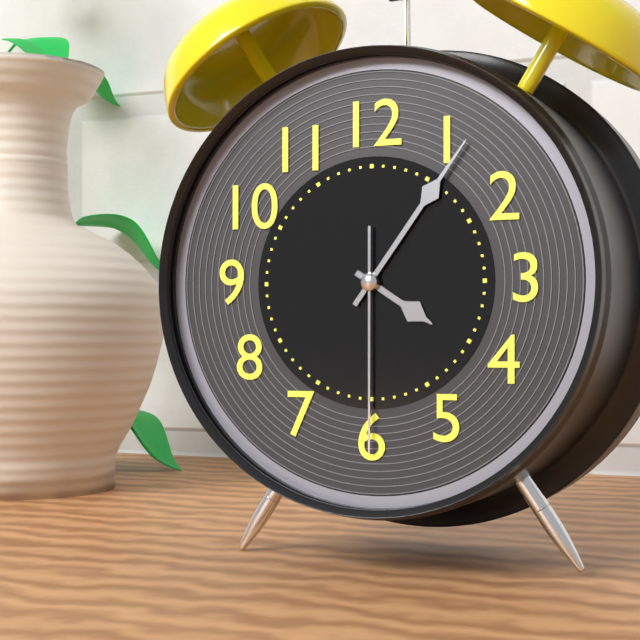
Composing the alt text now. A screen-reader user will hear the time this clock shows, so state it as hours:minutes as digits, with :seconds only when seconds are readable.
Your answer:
4:06:30
